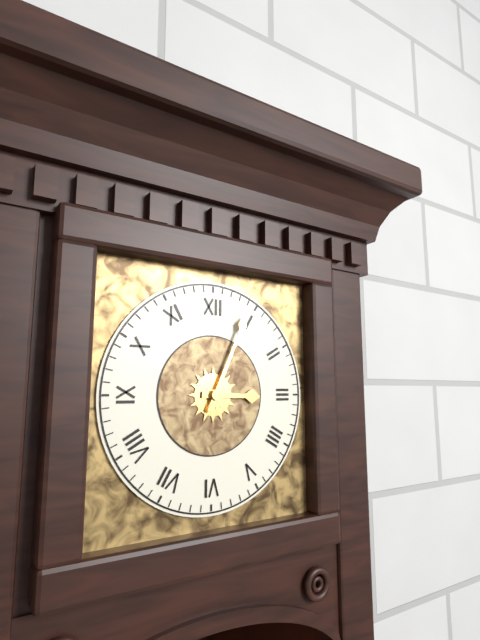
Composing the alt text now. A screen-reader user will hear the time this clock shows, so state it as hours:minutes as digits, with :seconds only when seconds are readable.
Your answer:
3:04
